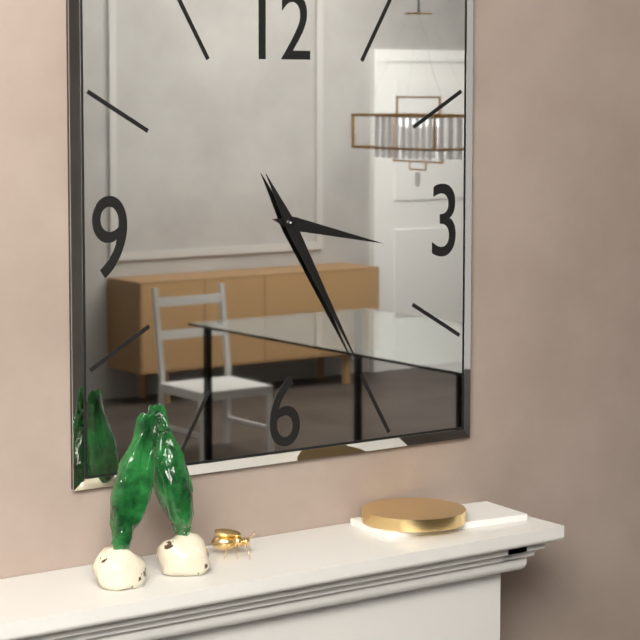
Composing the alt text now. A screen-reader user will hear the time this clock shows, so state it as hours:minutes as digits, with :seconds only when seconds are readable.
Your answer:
3:25
